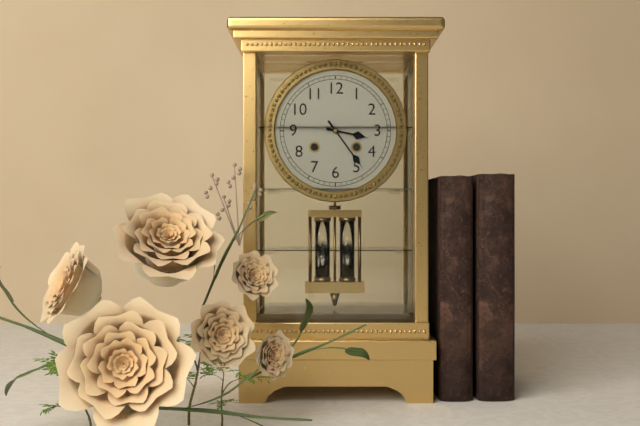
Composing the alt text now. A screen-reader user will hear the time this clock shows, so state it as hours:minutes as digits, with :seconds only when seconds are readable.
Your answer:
3:24
